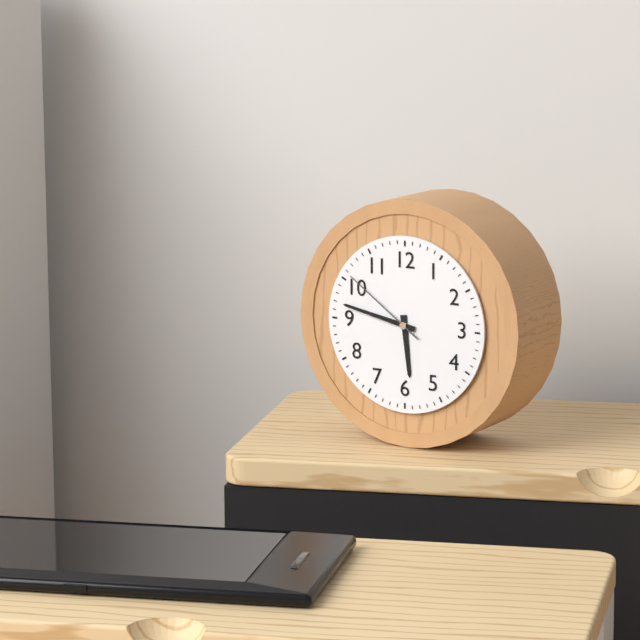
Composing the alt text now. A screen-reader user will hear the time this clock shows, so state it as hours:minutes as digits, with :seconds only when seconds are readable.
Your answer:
5:47:51
